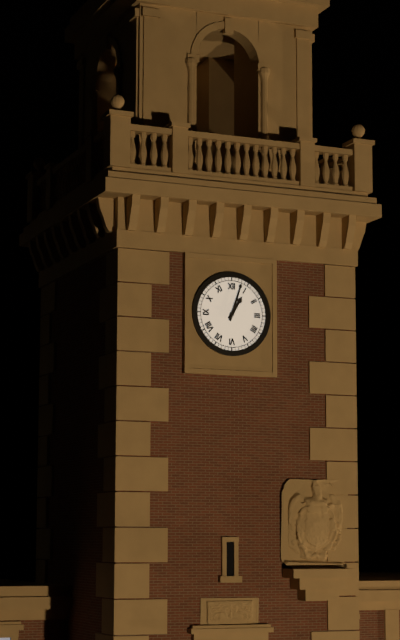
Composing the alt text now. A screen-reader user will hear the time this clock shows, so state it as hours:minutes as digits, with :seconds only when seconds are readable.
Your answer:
1:03
